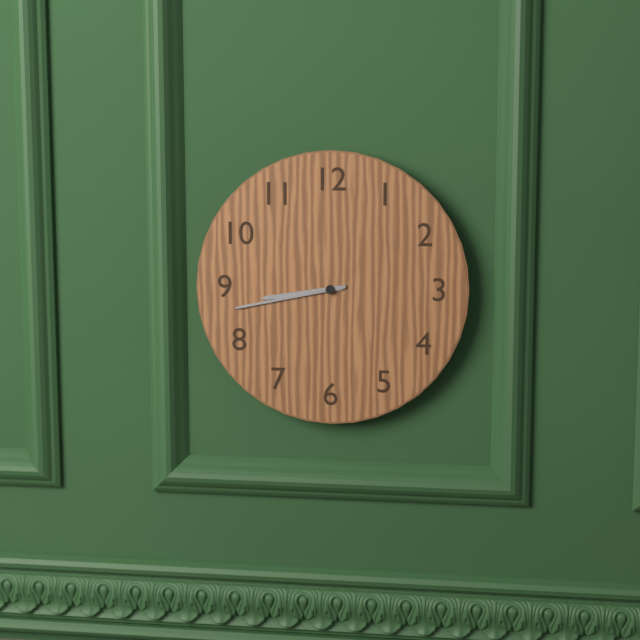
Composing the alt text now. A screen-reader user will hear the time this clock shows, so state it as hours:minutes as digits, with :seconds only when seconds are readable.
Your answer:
8:43
